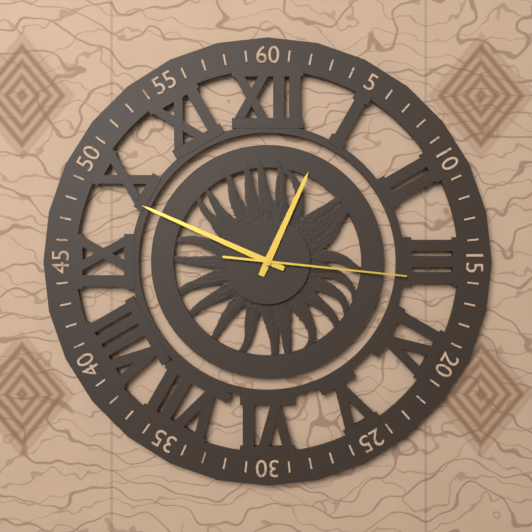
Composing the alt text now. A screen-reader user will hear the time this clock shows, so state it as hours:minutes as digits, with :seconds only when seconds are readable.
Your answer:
12:49:16
